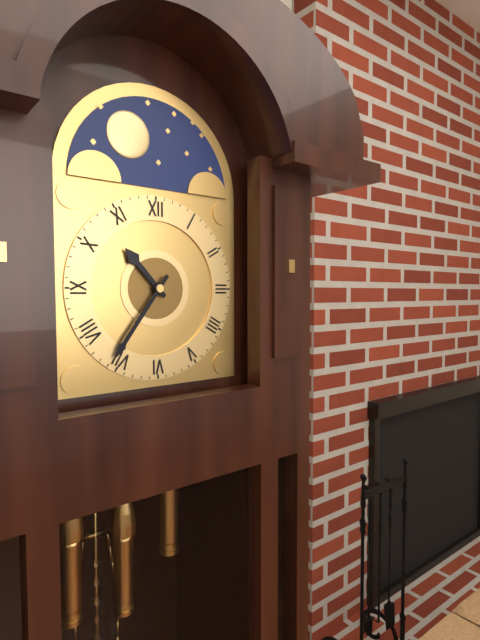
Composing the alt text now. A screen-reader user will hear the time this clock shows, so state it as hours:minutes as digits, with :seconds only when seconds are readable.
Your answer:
10:36
